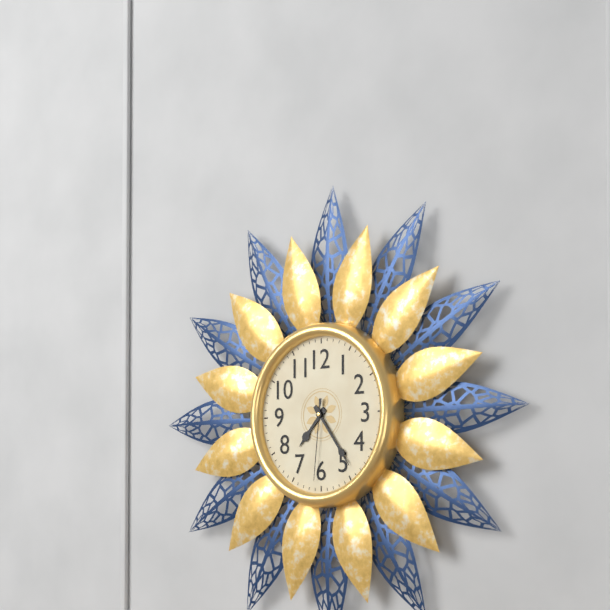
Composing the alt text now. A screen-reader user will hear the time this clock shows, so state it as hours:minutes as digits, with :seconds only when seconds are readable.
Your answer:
7:24:31
